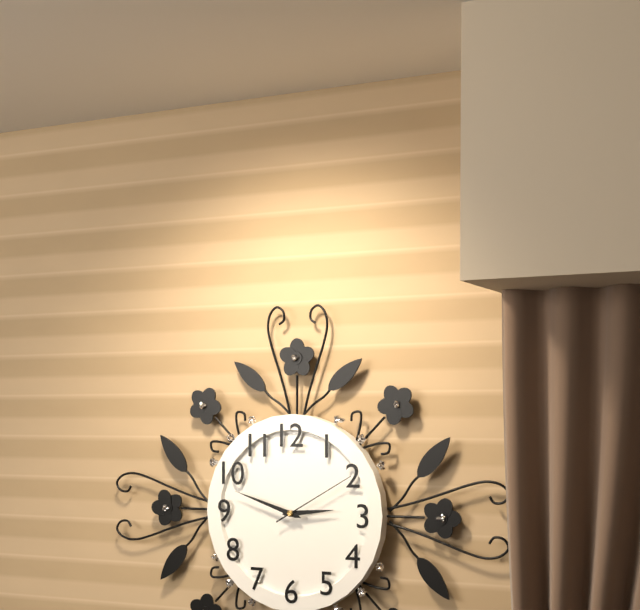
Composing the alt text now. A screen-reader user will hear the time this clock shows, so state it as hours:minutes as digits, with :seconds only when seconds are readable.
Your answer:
2:48:10
